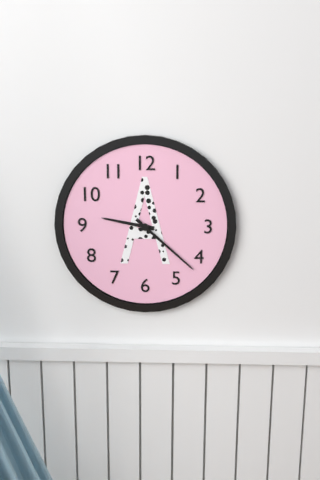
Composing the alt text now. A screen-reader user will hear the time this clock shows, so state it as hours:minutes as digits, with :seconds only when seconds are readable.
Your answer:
9:22
